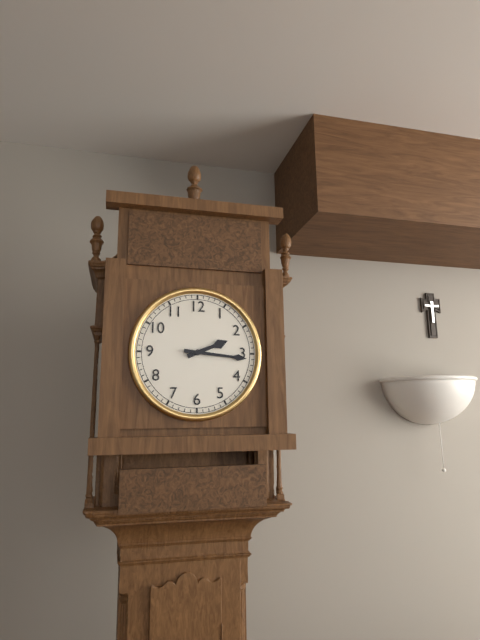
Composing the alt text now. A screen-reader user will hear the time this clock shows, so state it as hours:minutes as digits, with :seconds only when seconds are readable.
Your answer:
2:16
